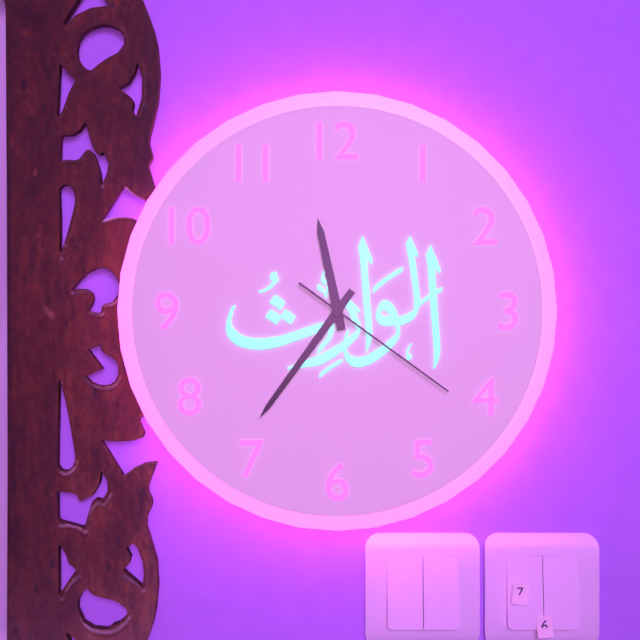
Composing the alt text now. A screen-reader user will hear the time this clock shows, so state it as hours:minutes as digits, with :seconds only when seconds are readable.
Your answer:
11:36:21
